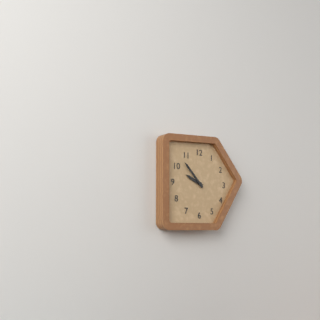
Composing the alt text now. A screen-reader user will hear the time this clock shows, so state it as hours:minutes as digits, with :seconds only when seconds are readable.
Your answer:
9:53
